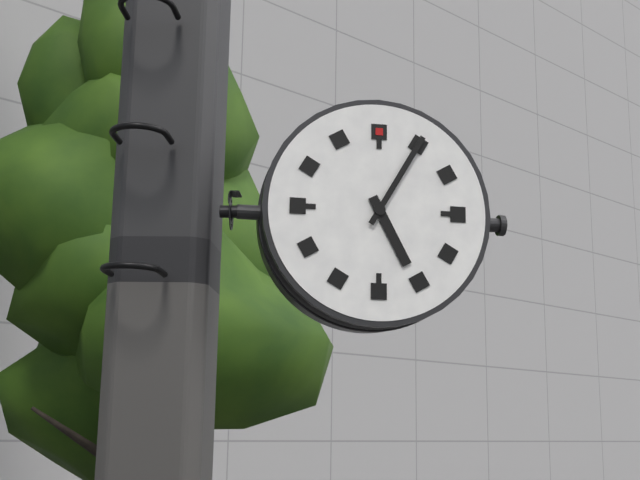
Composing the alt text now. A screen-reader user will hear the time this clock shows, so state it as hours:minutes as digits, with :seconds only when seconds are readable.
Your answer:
5:05
